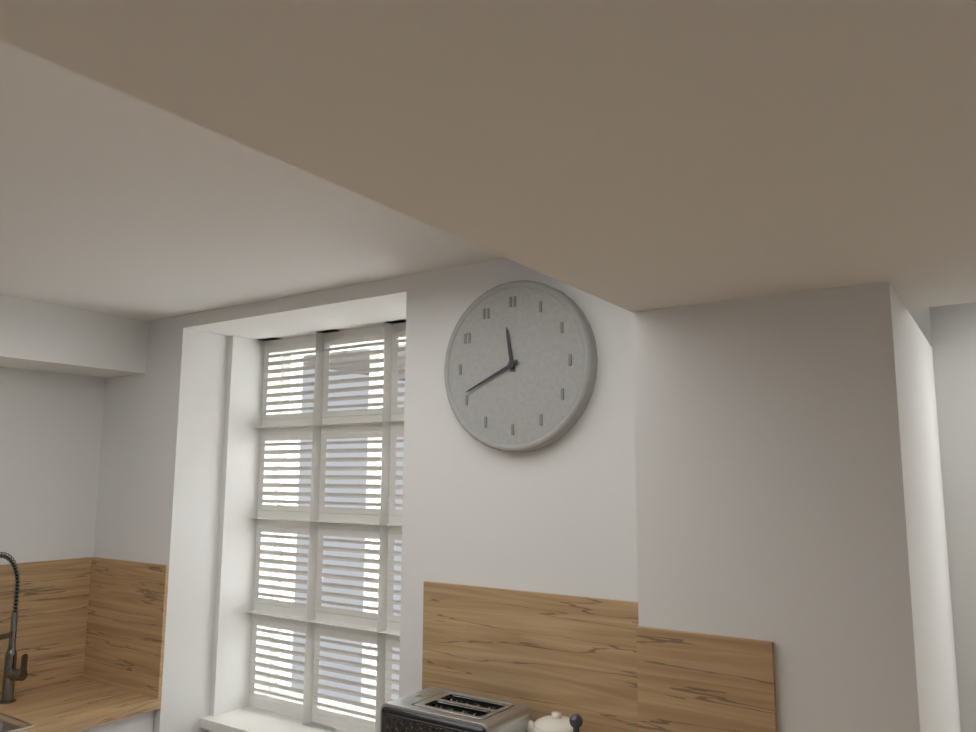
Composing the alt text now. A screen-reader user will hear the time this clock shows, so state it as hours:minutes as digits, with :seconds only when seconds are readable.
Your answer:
11:41
